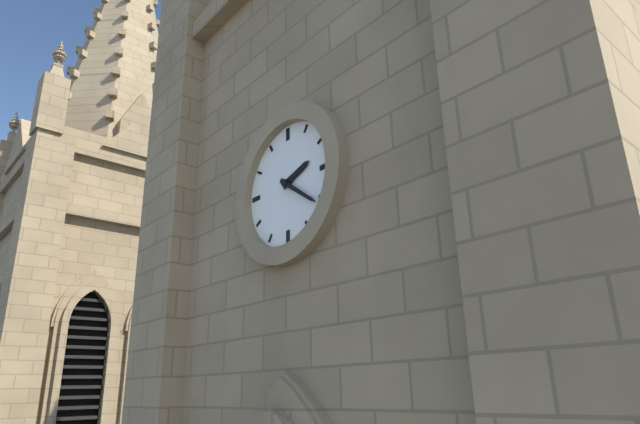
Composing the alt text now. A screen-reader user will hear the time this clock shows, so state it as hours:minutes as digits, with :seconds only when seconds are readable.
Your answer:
2:21
